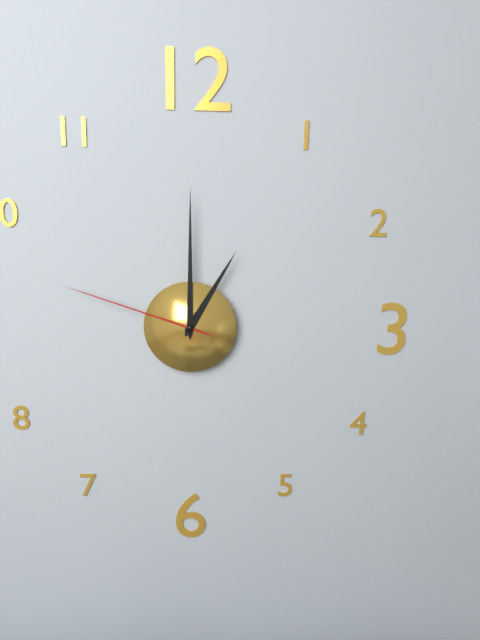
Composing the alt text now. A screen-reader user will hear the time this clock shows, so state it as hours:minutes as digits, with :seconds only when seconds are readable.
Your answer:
1:00:48
